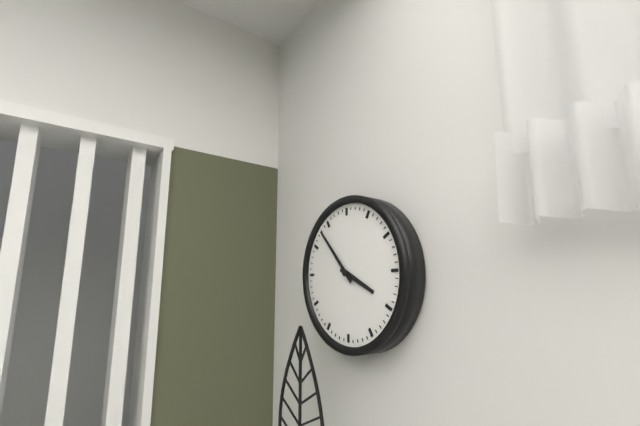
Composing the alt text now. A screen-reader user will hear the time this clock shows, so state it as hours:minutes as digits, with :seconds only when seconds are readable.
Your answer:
3:53
